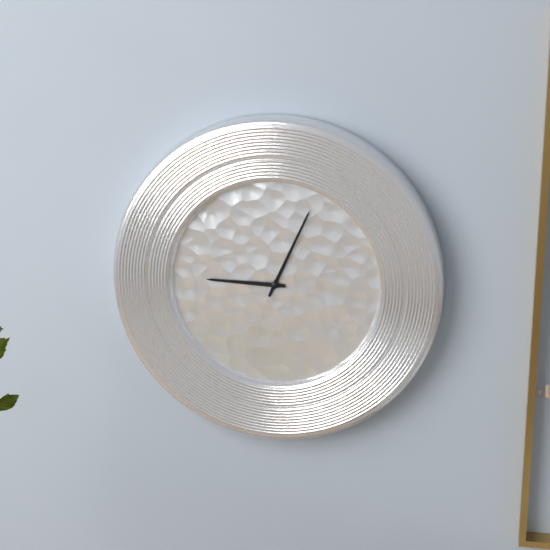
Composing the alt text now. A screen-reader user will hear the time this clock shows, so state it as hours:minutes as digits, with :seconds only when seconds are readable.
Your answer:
9:04
